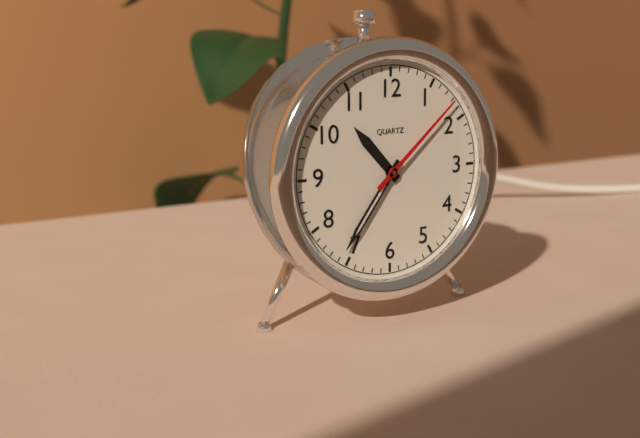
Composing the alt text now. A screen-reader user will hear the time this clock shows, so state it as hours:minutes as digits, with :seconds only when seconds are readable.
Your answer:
10:36:08
